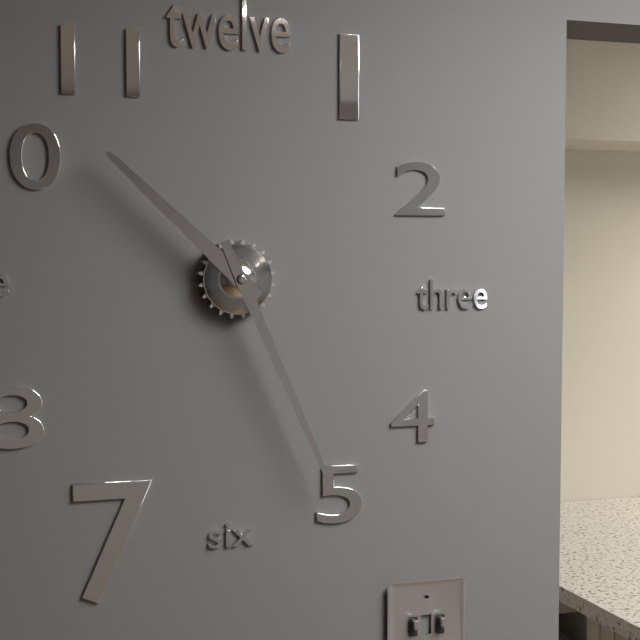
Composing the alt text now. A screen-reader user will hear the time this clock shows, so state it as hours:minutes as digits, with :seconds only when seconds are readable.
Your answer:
10:26
